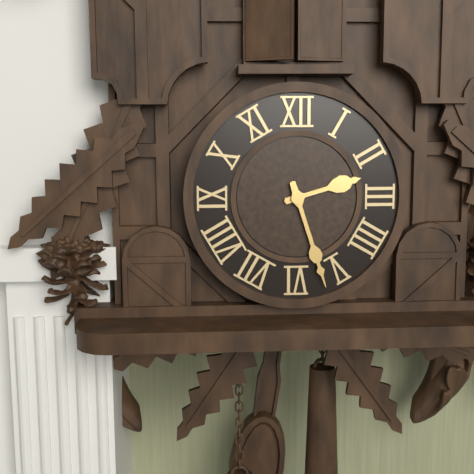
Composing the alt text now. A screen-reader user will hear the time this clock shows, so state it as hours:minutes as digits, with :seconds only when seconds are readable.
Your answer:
2:27
